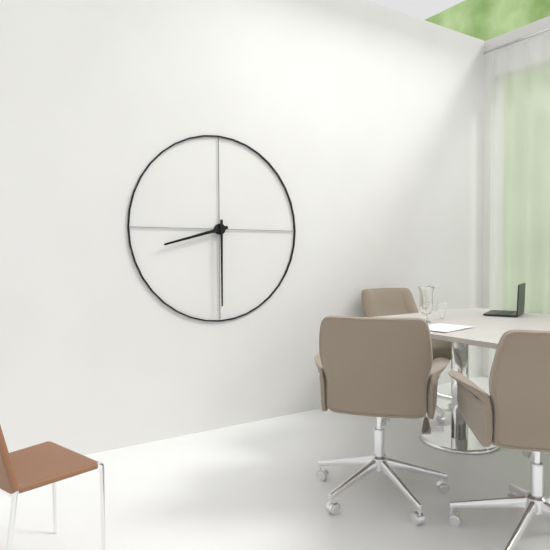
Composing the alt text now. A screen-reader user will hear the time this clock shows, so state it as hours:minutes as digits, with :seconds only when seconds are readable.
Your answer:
8:30
